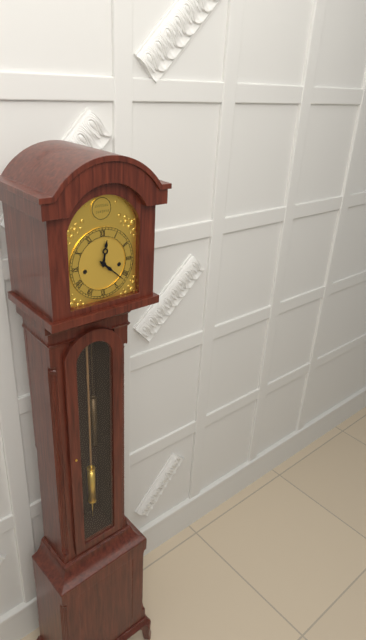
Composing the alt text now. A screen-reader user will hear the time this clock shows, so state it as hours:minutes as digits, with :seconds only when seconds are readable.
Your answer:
12:22
